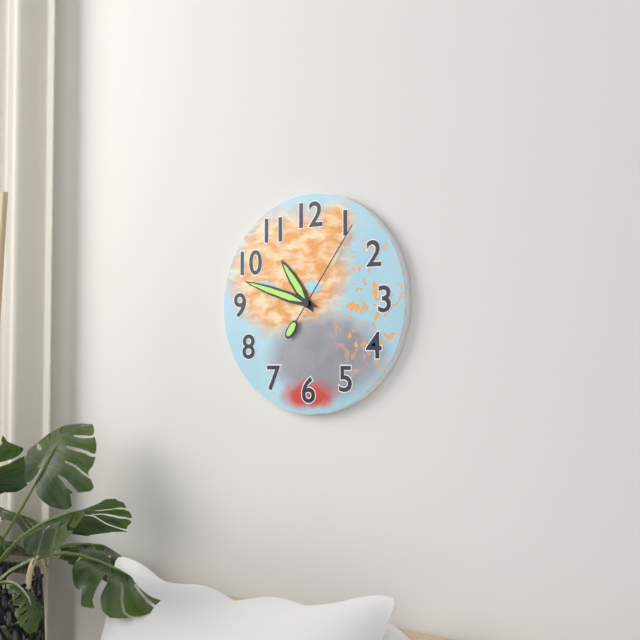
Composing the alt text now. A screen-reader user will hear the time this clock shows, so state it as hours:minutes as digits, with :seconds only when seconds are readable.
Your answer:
10:48:06
